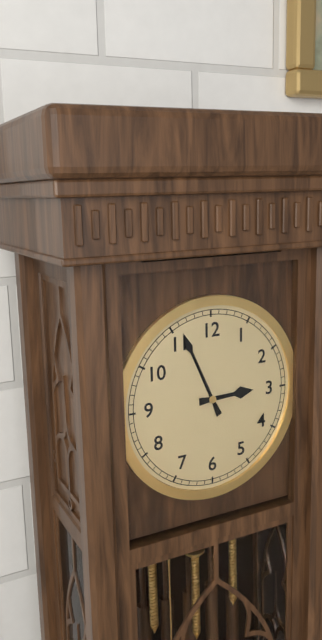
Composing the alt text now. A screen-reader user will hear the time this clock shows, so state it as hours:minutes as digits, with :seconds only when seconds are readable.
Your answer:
2:56
